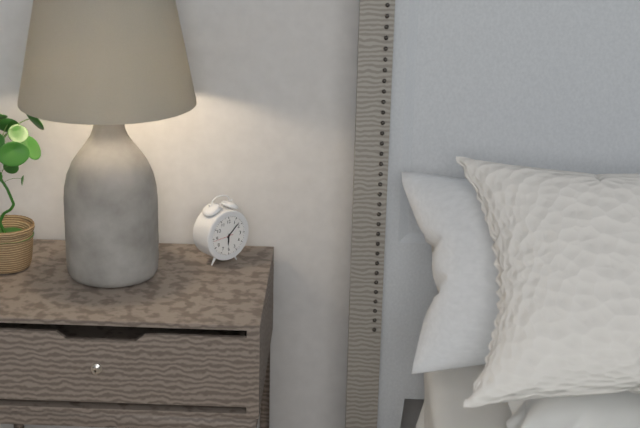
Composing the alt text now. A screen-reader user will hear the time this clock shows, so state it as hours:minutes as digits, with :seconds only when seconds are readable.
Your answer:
6:08
